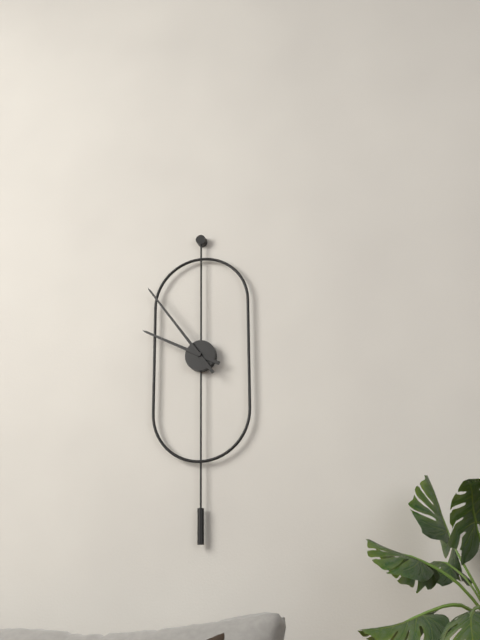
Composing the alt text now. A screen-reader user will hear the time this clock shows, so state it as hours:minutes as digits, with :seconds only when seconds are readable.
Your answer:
9:54
